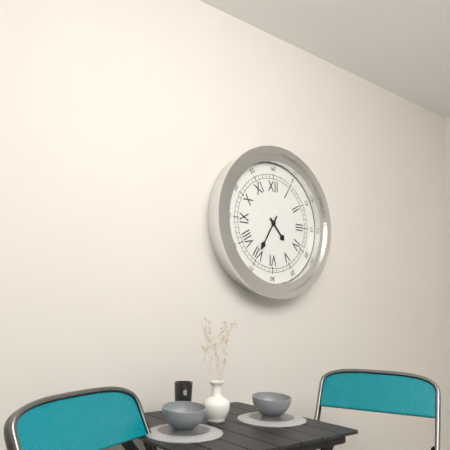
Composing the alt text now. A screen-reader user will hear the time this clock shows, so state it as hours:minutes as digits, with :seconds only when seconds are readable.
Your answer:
4:35
